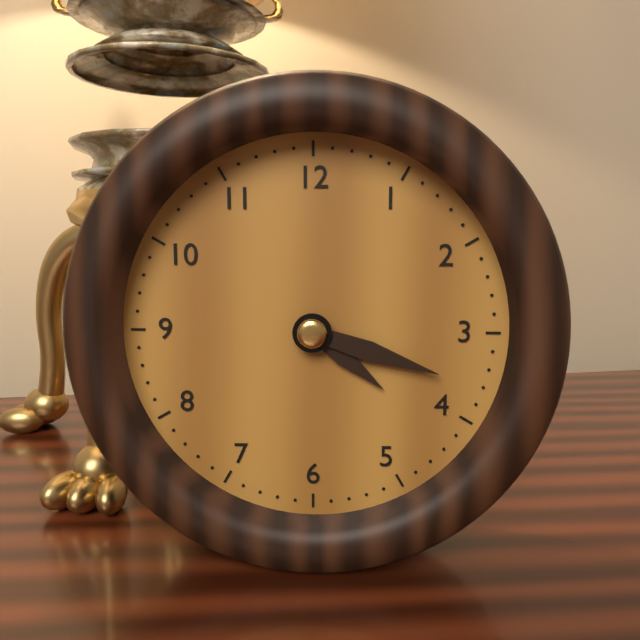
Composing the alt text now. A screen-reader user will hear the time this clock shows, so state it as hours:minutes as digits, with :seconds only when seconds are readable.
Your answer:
4:18
